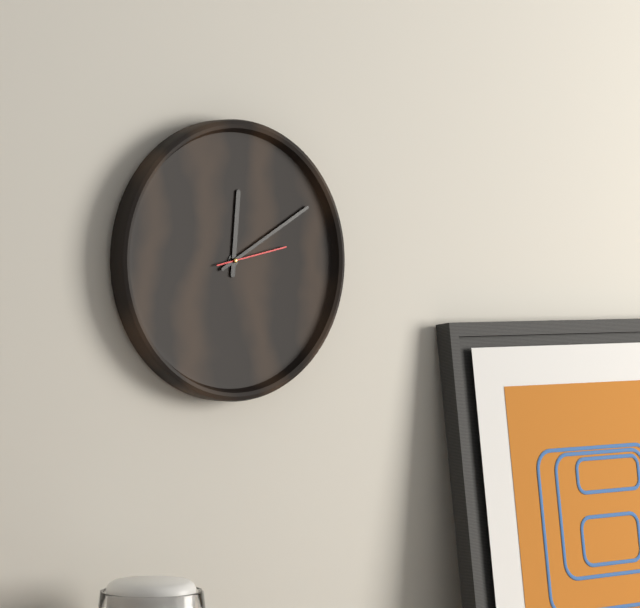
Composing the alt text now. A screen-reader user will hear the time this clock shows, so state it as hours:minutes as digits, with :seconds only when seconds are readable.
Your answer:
12:10:13
